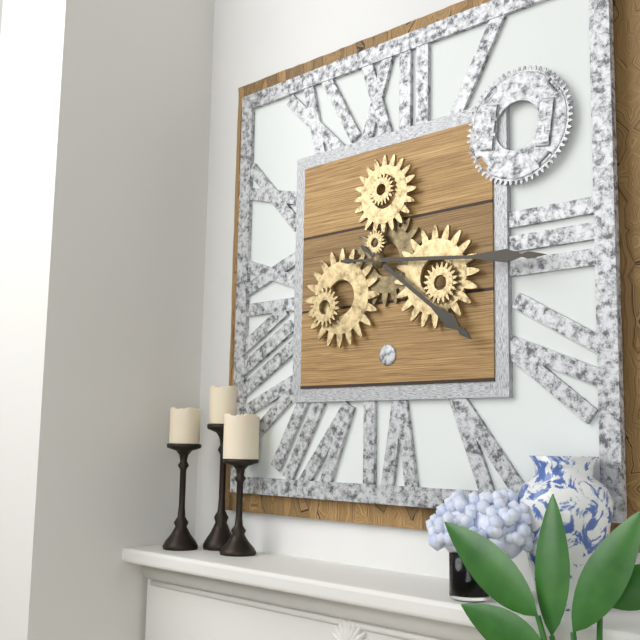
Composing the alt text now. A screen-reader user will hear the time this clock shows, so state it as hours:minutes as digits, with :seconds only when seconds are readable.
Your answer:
4:16
